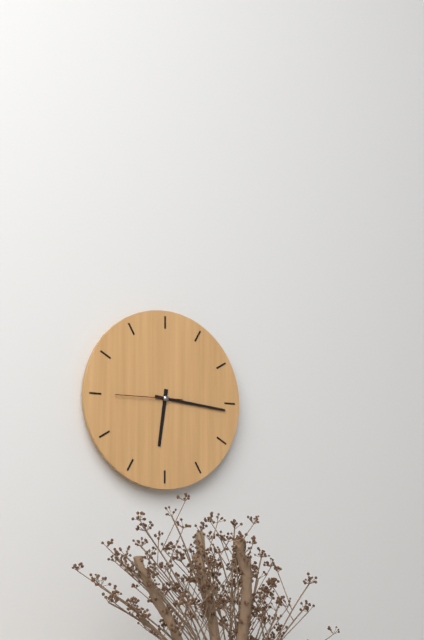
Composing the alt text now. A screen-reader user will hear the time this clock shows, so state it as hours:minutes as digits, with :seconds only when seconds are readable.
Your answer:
6:16:45
